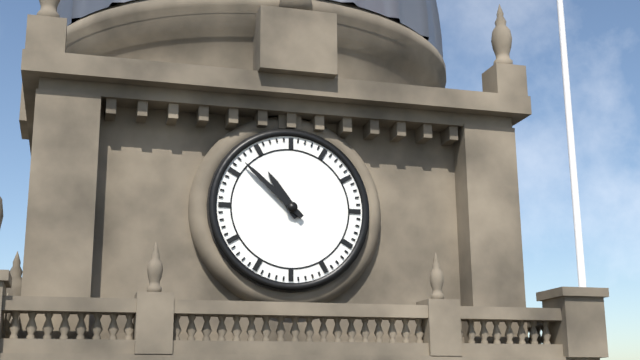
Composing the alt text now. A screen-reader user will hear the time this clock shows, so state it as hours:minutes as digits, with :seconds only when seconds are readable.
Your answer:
10:52
